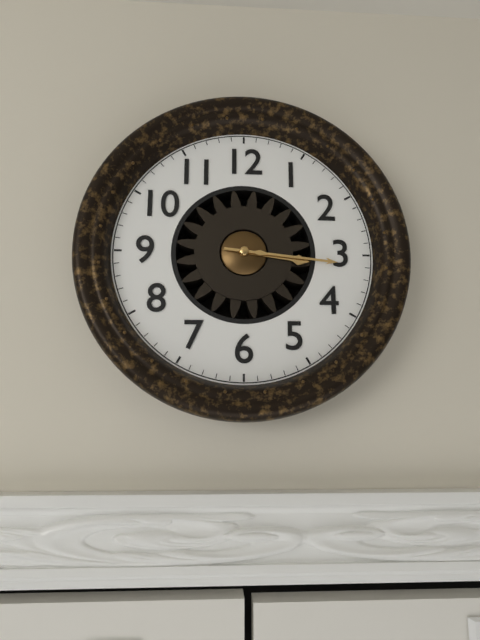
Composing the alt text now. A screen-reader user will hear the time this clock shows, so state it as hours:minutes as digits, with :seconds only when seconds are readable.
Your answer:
3:16
